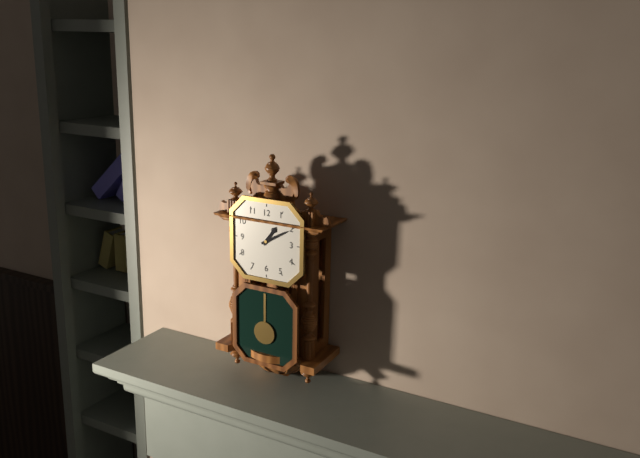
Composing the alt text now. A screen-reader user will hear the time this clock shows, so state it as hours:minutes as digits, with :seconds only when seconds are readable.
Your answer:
1:10
